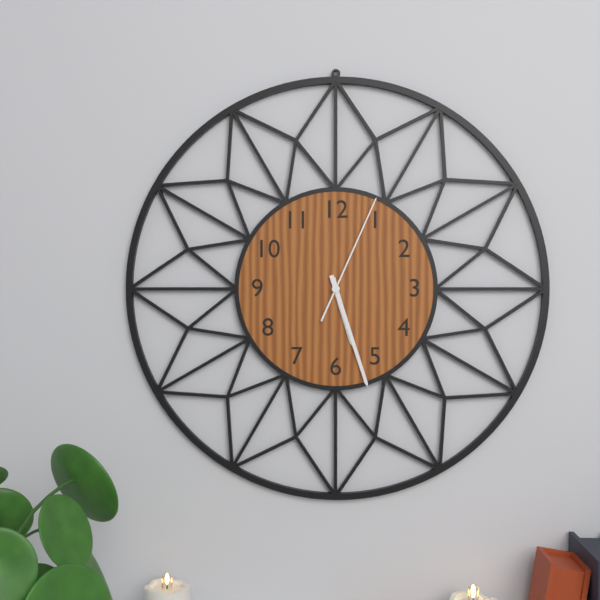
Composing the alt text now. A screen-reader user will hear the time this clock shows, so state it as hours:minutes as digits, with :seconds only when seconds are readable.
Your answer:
5:27:04
